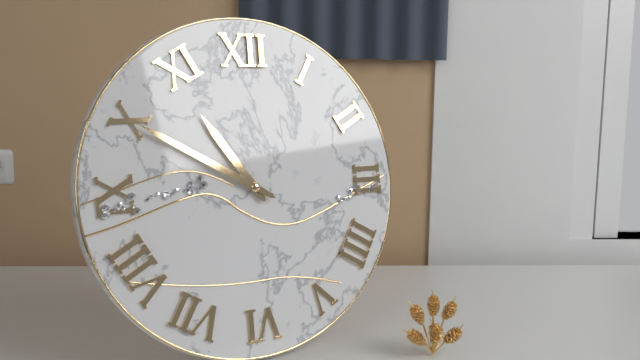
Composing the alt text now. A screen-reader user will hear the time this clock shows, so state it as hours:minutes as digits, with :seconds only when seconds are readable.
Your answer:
10:50
